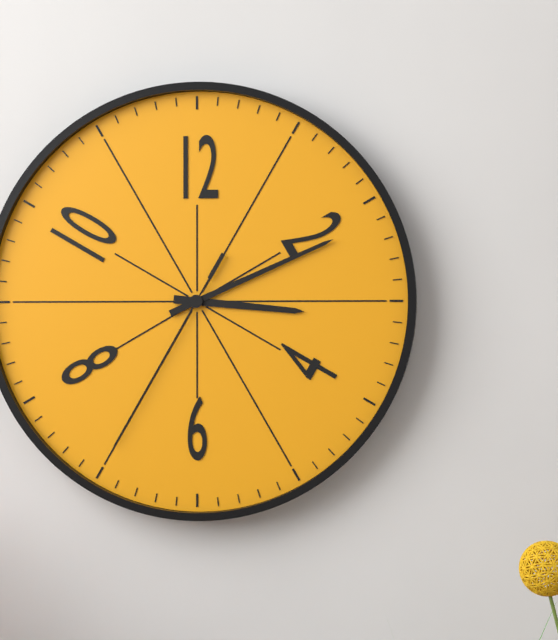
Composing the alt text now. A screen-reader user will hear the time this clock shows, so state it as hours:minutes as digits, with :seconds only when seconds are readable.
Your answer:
3:11:35
